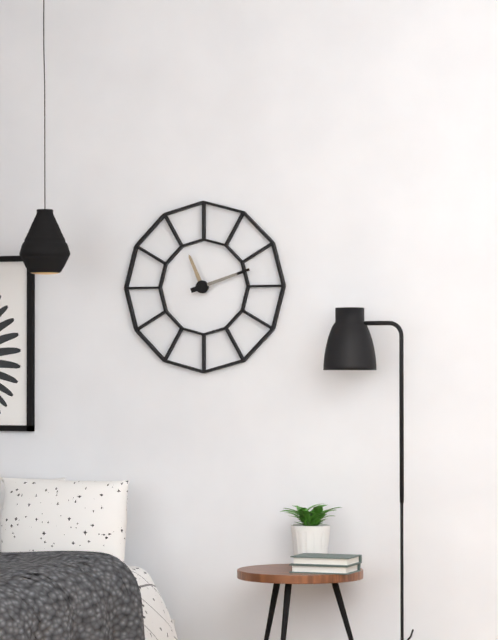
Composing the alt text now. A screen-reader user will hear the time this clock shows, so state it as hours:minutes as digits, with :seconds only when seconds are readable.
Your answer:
11:12
